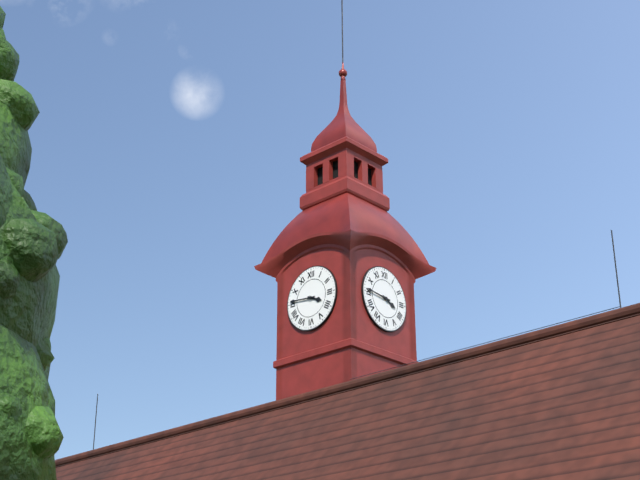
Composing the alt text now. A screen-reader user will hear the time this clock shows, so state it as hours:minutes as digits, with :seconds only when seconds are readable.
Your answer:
3:46
